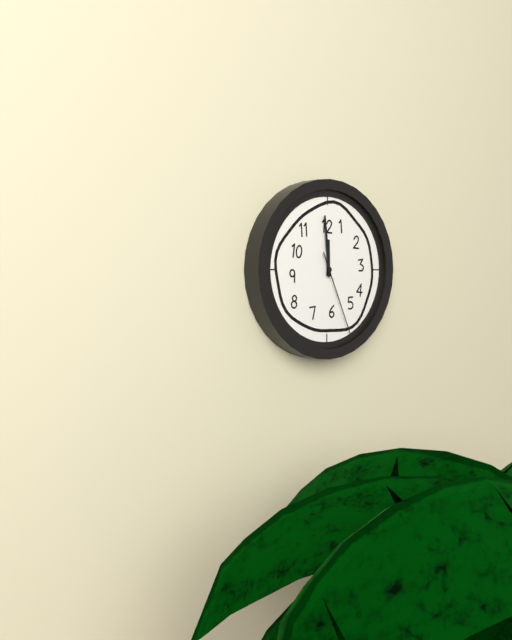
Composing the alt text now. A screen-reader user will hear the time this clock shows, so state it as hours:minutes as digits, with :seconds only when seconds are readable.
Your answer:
11:59:26
